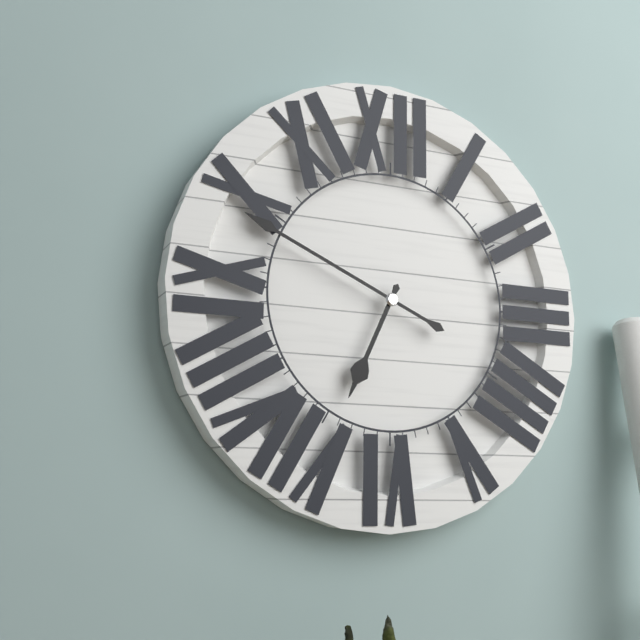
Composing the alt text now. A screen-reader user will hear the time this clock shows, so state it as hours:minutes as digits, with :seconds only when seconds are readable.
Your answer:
6:49
